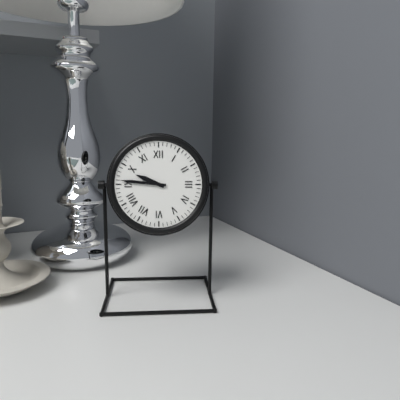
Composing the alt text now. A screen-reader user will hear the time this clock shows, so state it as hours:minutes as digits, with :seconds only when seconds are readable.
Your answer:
9:46
